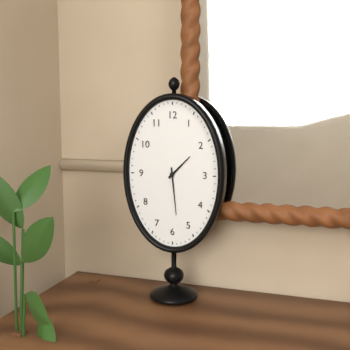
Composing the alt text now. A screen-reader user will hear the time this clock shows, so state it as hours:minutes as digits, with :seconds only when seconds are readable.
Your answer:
1:29
